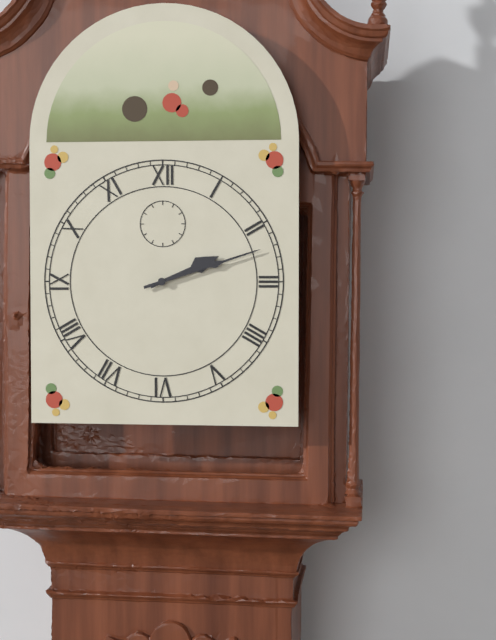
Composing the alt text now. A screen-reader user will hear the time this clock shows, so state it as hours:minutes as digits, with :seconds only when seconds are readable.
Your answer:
2:12
